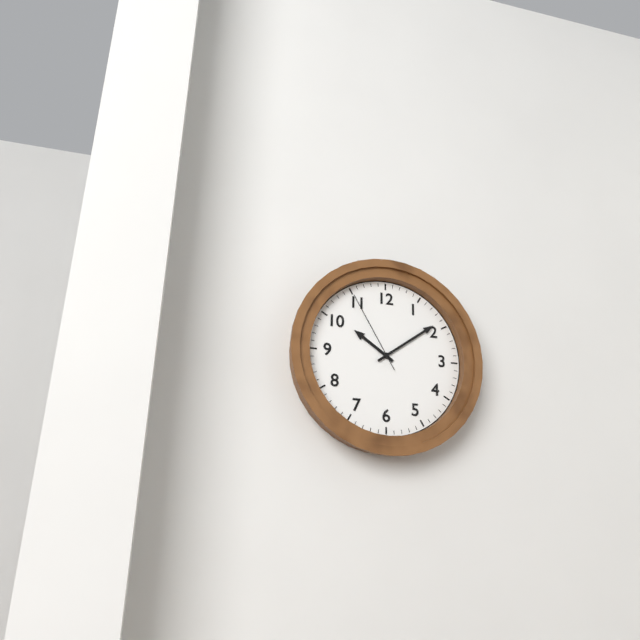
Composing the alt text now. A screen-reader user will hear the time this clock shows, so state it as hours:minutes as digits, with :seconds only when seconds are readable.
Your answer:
10:09:55
